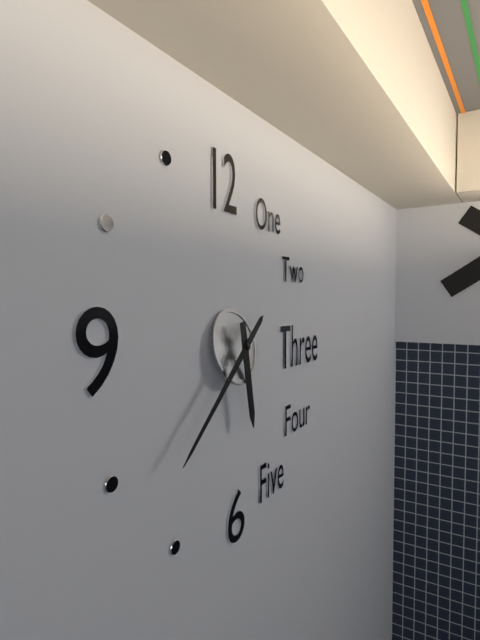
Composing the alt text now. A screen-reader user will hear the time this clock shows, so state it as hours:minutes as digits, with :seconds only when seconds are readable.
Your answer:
5:38
